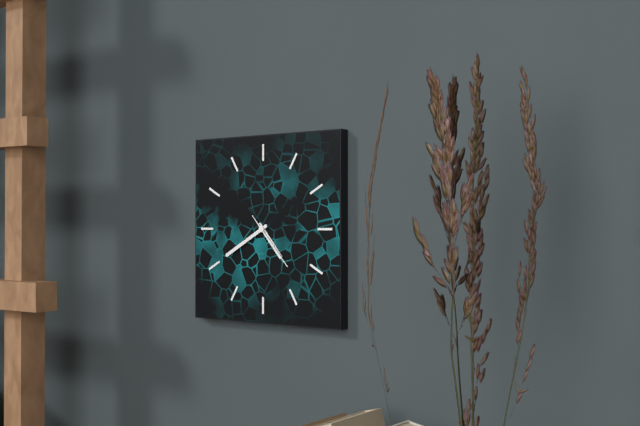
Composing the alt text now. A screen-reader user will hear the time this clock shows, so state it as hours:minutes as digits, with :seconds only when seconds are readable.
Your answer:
4:40:23
